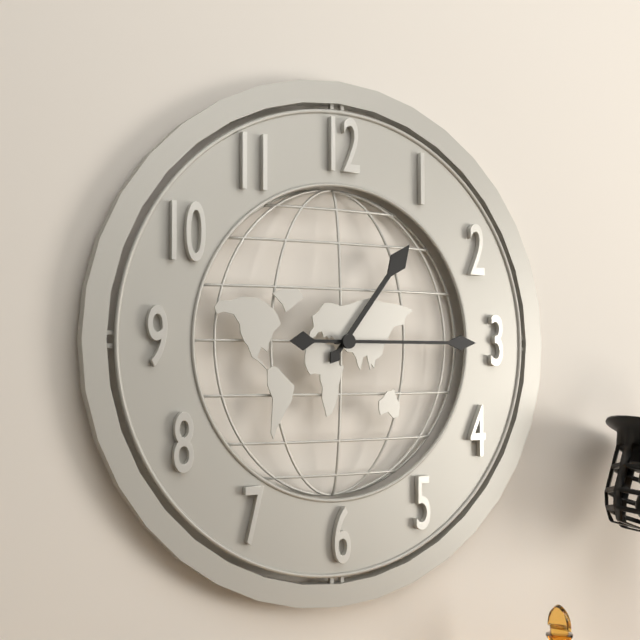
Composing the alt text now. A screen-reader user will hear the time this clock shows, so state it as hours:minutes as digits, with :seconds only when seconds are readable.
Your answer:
1:15
